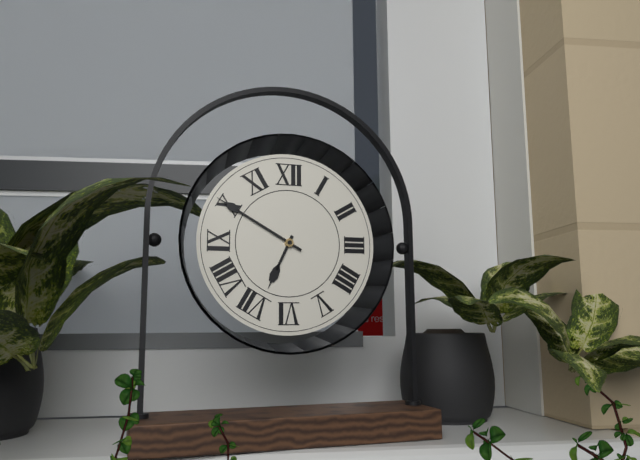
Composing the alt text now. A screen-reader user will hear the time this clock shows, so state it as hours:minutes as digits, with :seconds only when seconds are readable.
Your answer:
6:50
